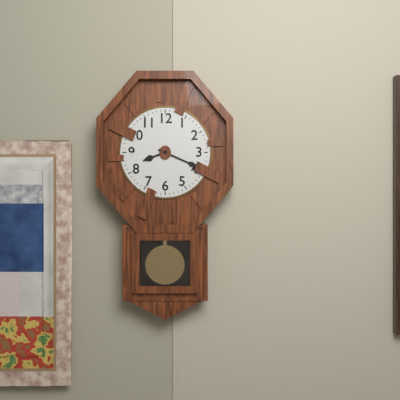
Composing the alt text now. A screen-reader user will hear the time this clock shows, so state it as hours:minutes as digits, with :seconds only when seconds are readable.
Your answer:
8:19
